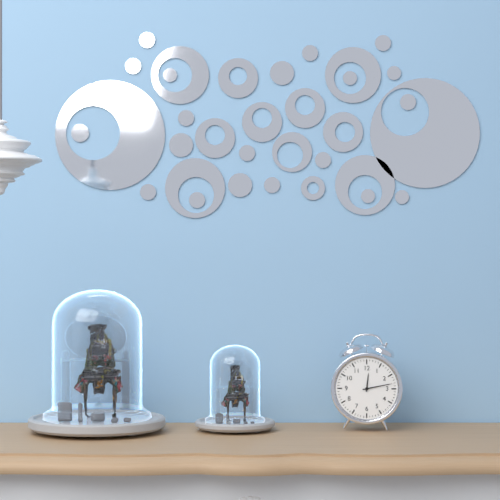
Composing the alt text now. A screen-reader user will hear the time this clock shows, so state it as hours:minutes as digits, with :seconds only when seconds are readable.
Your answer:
12:13
